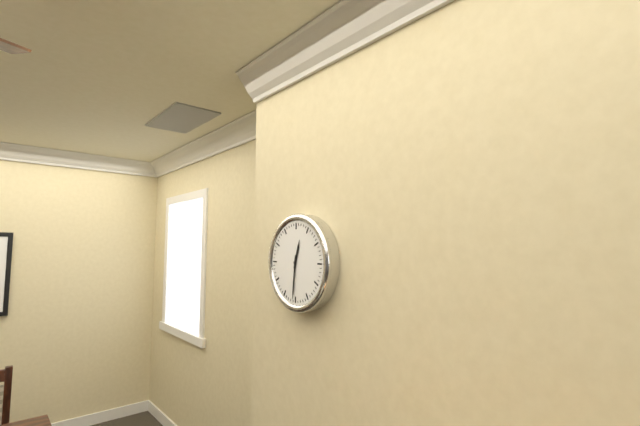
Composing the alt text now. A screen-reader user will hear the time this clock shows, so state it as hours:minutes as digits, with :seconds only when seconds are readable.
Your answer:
12:31
